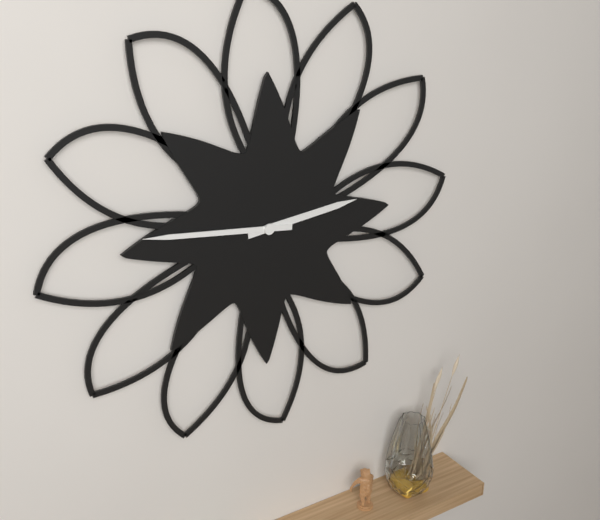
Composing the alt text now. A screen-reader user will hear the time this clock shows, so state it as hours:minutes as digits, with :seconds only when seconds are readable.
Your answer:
2:46
